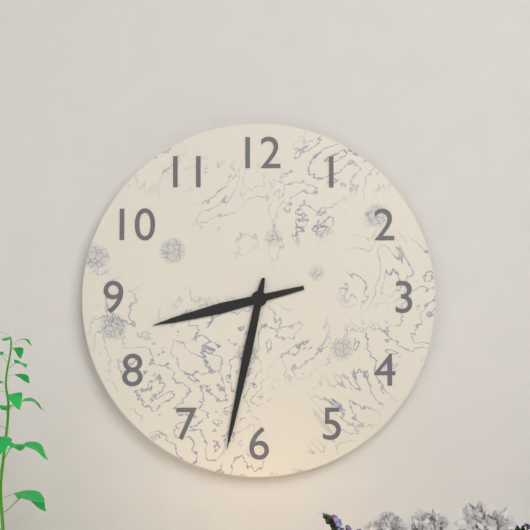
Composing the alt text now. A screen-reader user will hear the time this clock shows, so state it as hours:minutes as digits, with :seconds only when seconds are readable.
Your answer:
8:32
